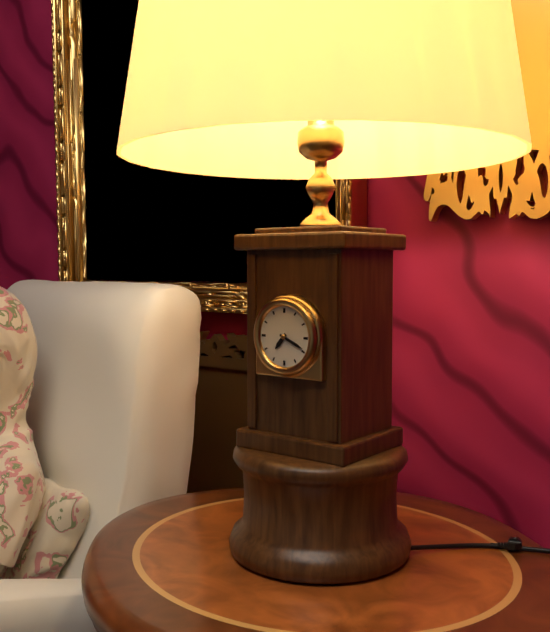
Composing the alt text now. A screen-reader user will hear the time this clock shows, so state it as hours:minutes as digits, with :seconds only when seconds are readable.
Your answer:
7:19
